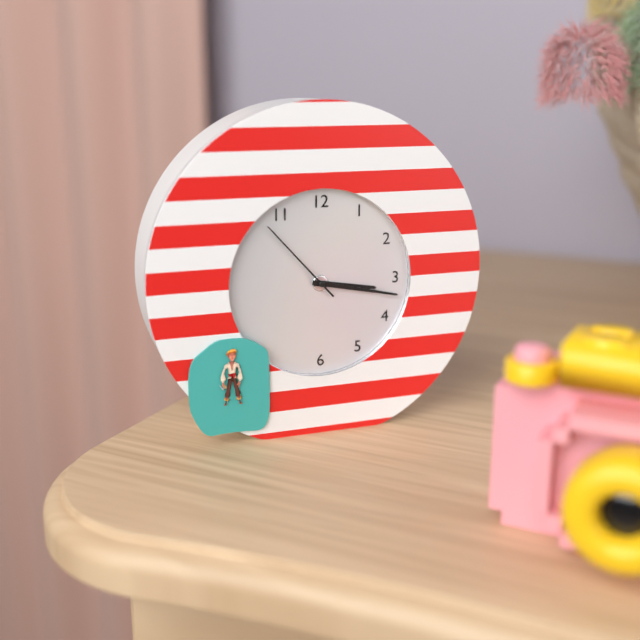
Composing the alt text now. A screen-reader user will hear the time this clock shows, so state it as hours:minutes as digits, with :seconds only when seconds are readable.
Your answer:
3:17:53
